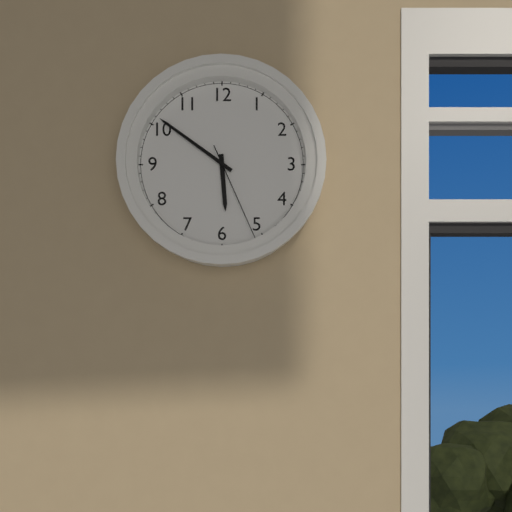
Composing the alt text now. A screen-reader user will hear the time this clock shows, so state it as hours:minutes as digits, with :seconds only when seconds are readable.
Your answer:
5:51:26
